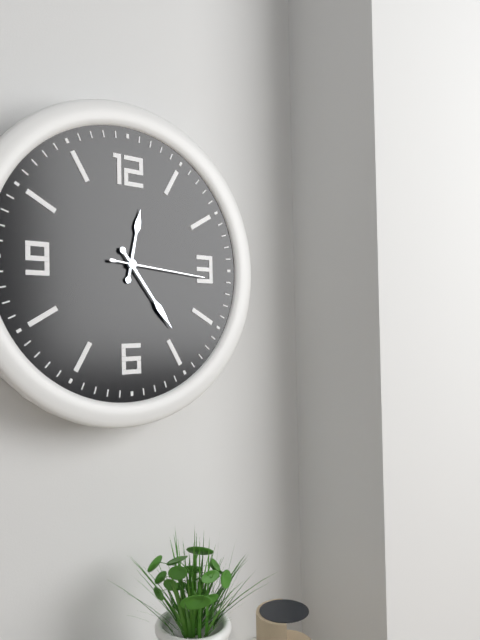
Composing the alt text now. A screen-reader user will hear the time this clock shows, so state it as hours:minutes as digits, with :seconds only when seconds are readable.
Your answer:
12:24:16
